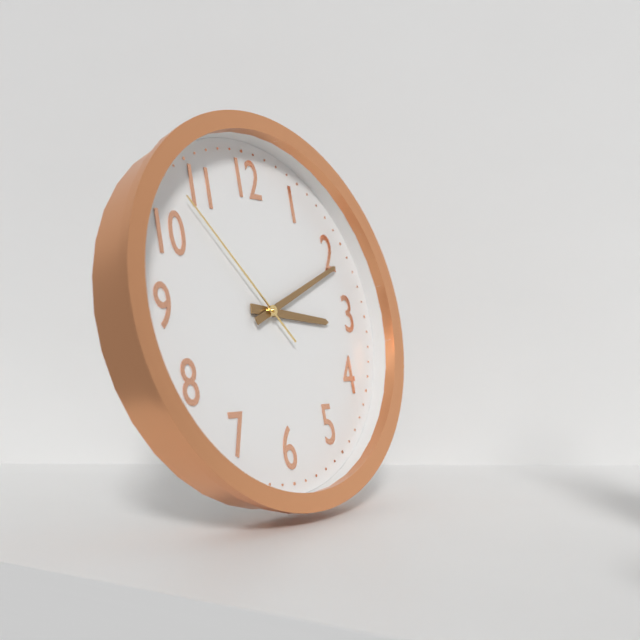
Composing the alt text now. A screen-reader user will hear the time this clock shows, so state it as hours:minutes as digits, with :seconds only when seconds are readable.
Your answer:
3:11:53
